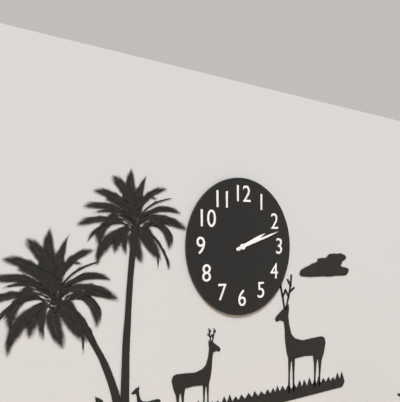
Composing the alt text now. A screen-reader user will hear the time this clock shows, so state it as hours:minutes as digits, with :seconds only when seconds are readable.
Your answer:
2:12
